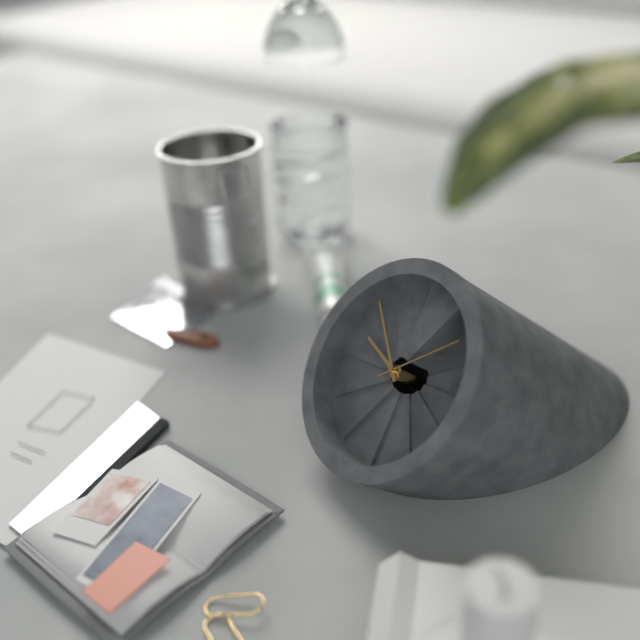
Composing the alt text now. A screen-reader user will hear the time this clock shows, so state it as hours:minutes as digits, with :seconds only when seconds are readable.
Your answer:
8:48:04
